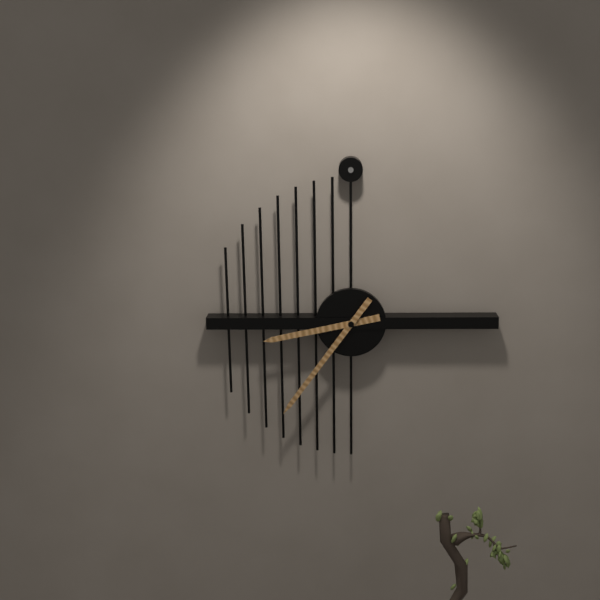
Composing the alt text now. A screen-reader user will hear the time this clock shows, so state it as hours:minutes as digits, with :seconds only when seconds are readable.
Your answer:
8:36
